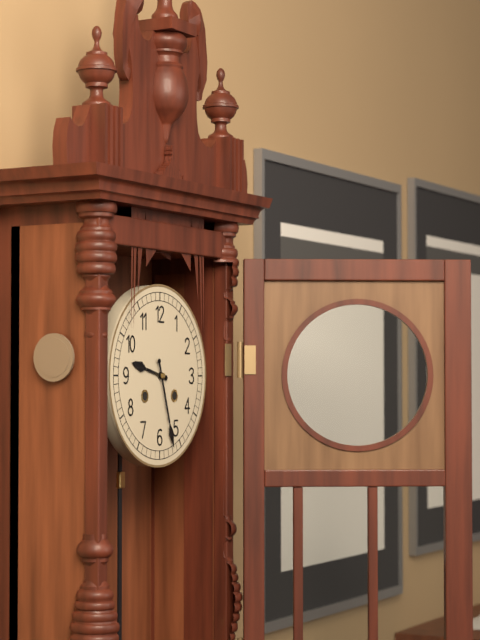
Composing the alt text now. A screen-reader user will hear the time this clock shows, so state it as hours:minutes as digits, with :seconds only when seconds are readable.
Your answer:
9:27
